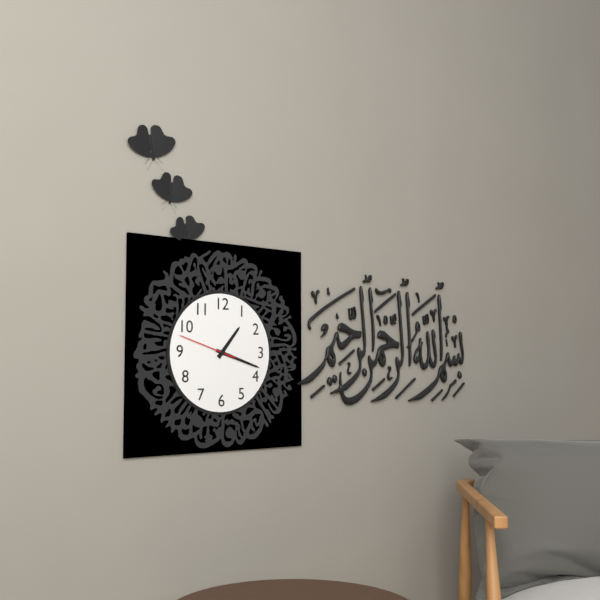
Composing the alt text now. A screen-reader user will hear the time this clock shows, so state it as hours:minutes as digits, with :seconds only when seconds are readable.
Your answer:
1:18:48
